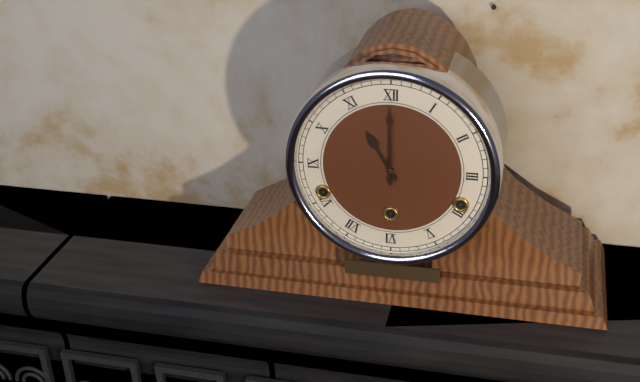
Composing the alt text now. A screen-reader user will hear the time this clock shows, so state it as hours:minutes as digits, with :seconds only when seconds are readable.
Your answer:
11:00
